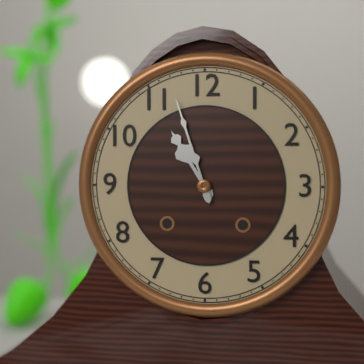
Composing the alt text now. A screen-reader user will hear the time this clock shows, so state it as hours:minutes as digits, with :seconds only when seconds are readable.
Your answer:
10:57
